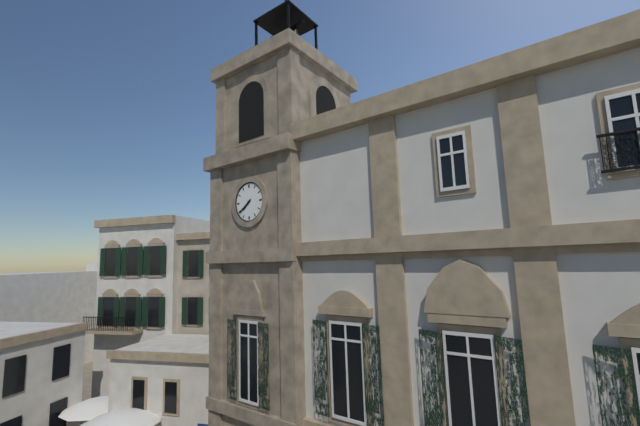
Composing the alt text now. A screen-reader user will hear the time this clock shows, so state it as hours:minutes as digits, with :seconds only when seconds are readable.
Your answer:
7:39
